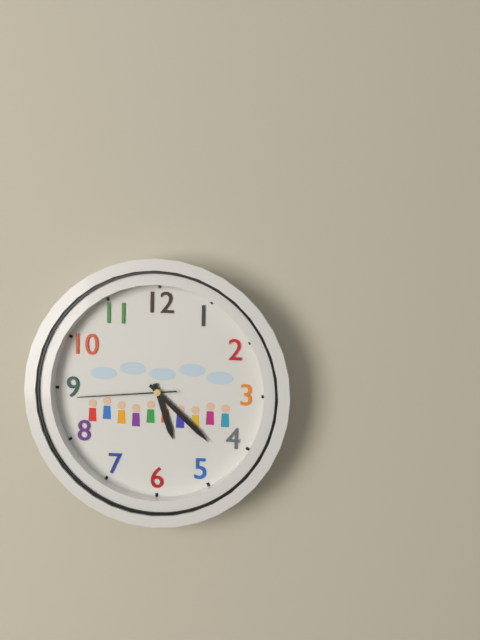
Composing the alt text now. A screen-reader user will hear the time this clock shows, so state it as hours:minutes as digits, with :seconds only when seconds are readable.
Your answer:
5:22:44
